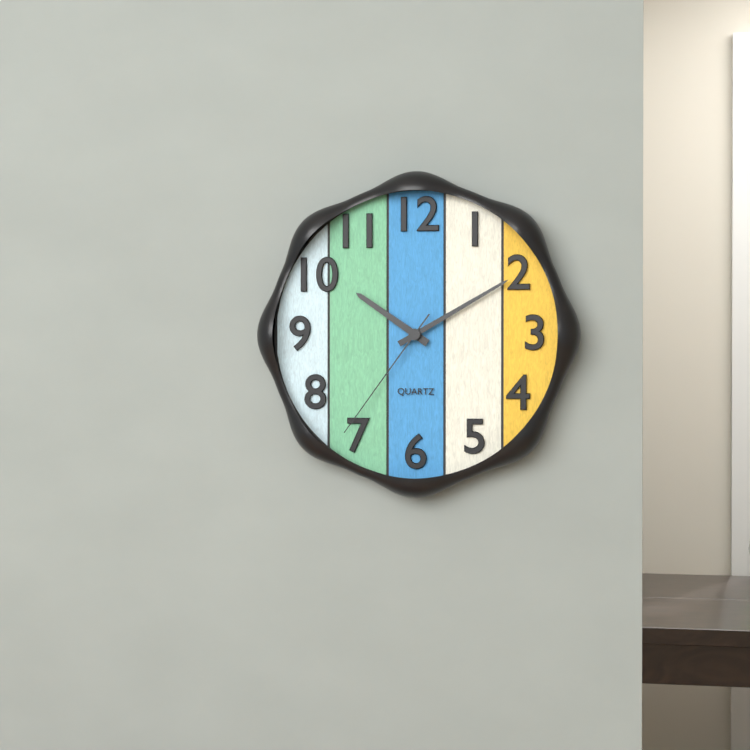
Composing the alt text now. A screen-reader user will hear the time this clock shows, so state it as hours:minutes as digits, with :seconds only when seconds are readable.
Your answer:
10:10:36
